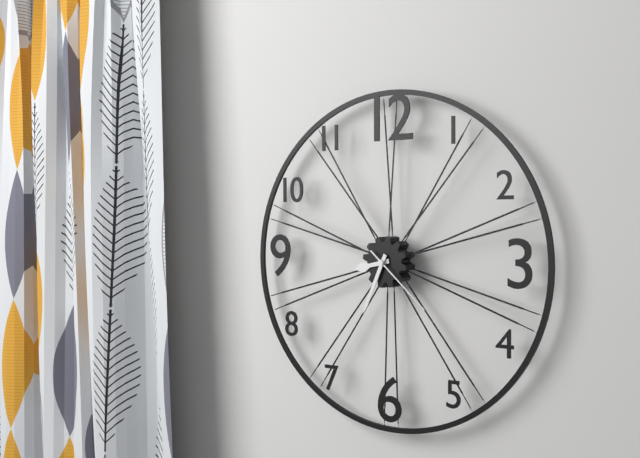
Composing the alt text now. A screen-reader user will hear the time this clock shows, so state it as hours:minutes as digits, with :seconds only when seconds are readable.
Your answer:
8:34:22
